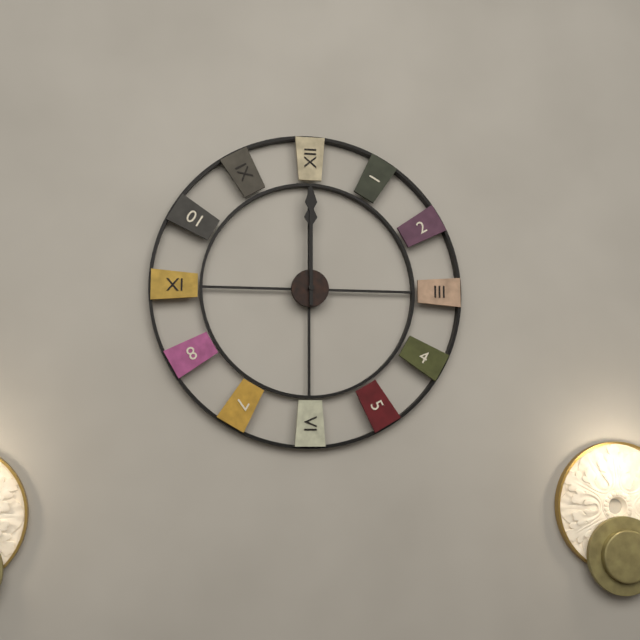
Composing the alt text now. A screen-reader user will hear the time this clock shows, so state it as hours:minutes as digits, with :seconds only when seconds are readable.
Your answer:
12:00
